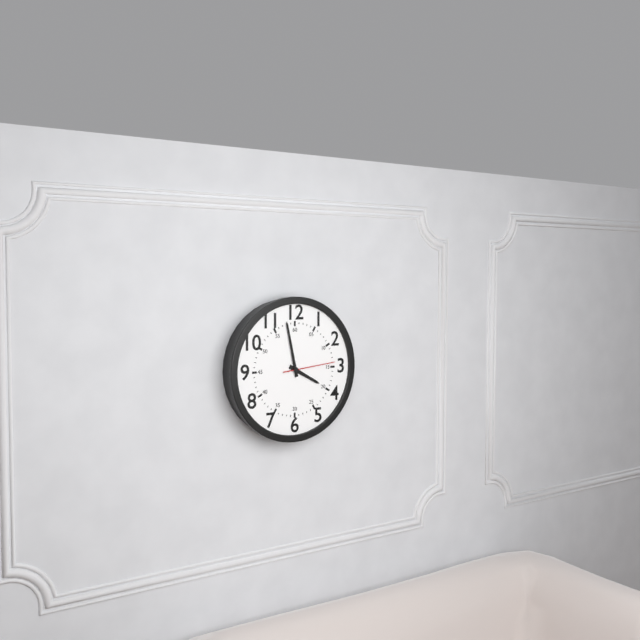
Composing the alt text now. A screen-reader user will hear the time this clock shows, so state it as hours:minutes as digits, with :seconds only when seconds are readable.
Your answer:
3:58:14
